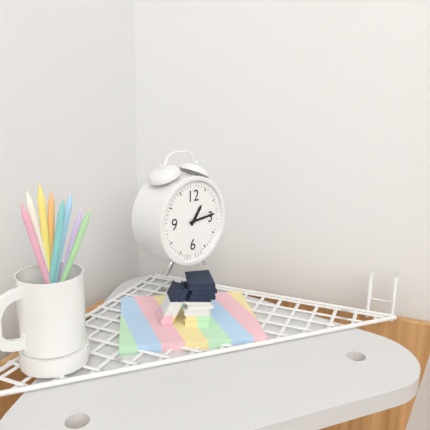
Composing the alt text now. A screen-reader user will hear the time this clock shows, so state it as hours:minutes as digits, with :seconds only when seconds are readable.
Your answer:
1:14
